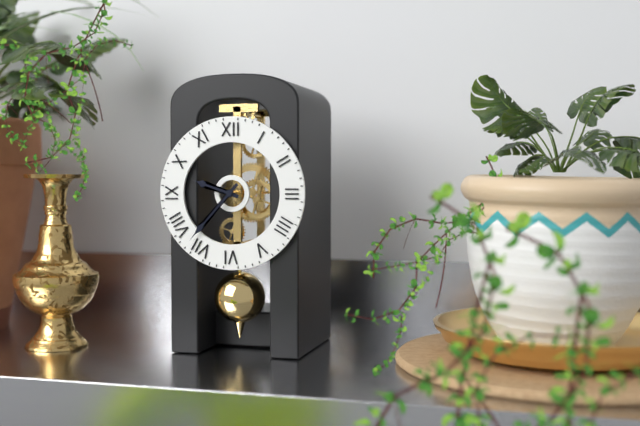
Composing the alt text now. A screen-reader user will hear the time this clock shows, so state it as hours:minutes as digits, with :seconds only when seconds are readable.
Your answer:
9:37
